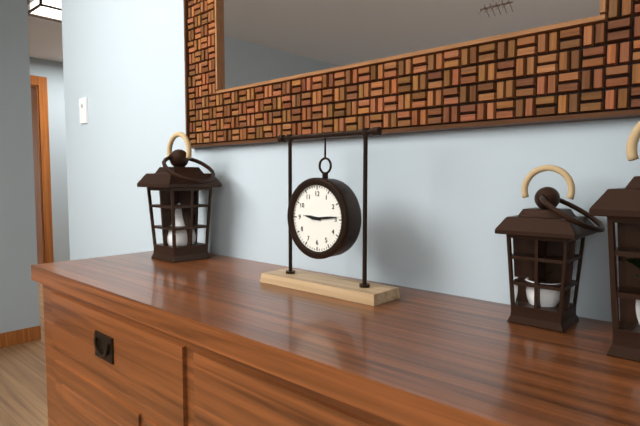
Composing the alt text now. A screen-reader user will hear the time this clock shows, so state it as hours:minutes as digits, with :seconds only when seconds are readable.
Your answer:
9:14
